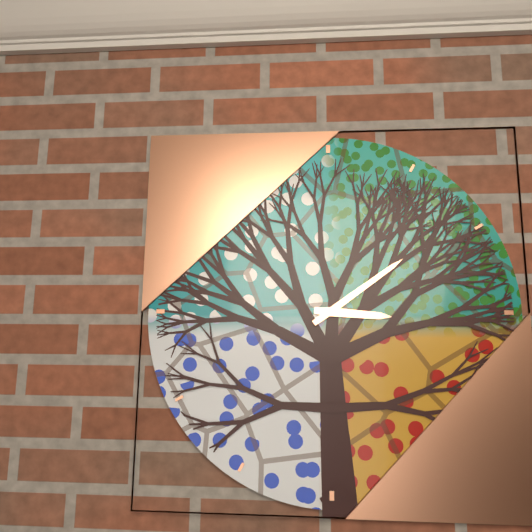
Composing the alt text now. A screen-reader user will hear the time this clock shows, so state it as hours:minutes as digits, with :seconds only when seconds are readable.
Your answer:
3:09
